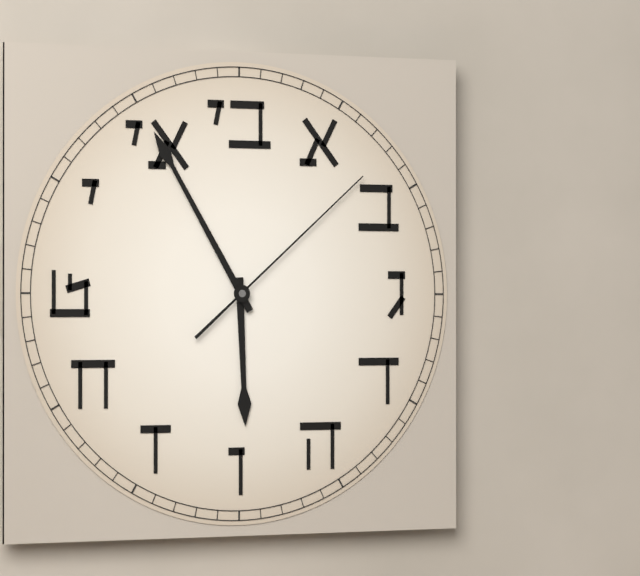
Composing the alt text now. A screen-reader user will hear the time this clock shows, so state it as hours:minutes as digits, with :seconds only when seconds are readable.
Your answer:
5:55:08
